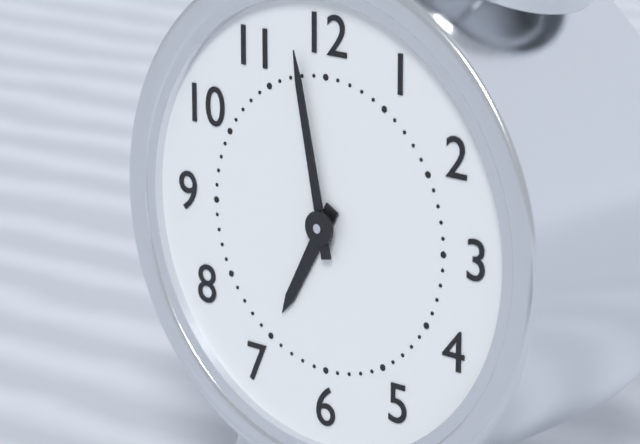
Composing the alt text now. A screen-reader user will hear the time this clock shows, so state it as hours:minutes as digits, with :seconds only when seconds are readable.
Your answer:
6:58
